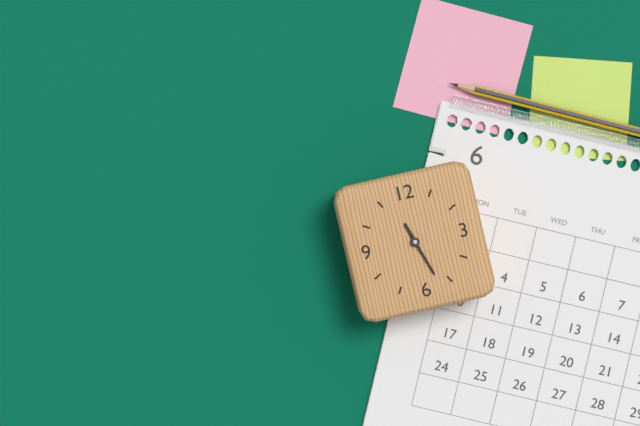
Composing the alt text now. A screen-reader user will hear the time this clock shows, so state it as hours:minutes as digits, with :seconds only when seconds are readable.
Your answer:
11:27
